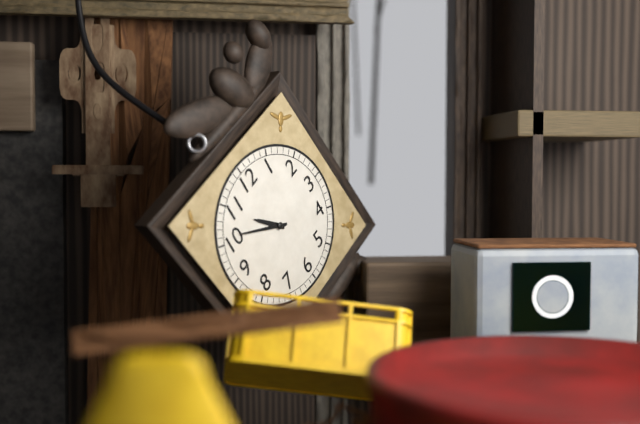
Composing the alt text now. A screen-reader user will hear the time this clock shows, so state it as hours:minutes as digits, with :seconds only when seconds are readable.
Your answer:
10:51
